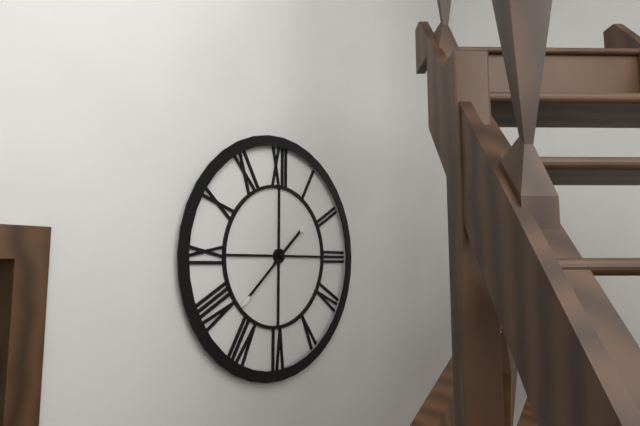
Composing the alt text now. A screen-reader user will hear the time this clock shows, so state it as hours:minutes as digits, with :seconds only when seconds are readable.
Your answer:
1:38
